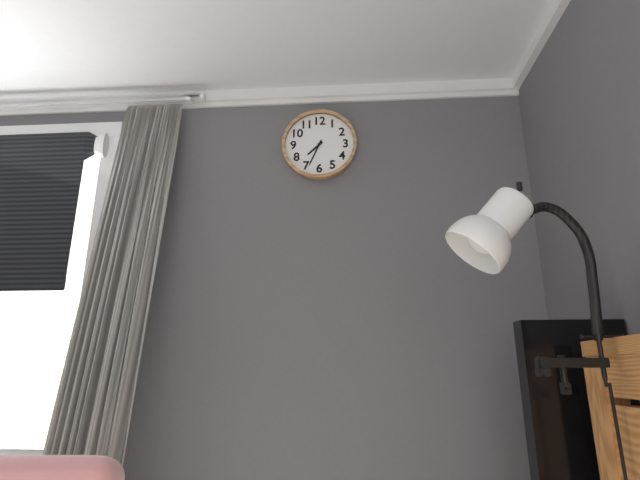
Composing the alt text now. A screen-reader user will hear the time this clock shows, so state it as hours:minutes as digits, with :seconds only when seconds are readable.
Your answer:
7:34
